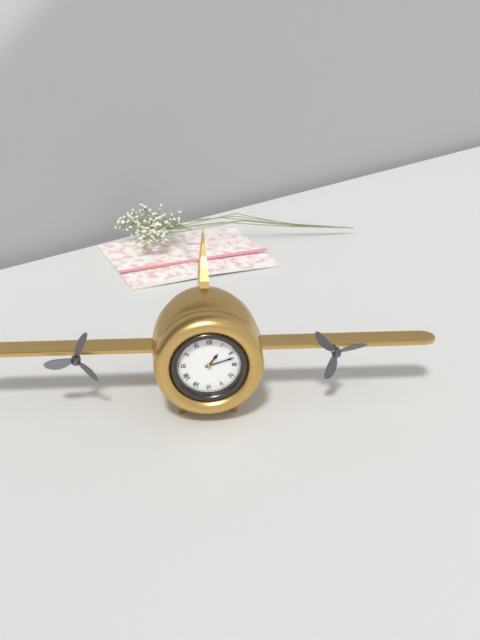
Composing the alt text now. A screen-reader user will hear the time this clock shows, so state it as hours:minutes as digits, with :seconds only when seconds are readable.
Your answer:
1:12
